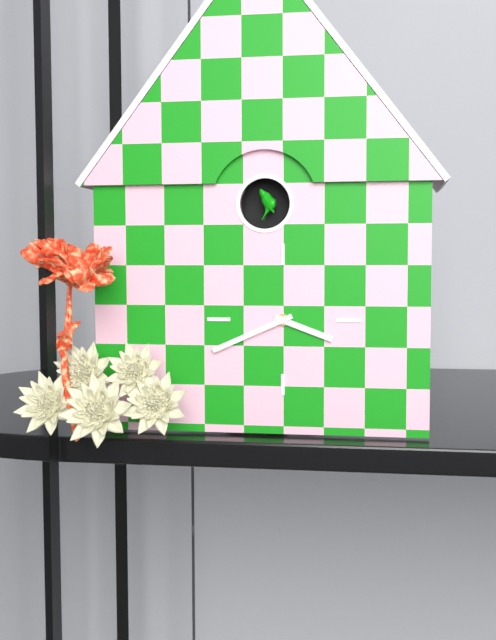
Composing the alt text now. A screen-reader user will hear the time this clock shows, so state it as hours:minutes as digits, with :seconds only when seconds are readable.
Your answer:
3:41
